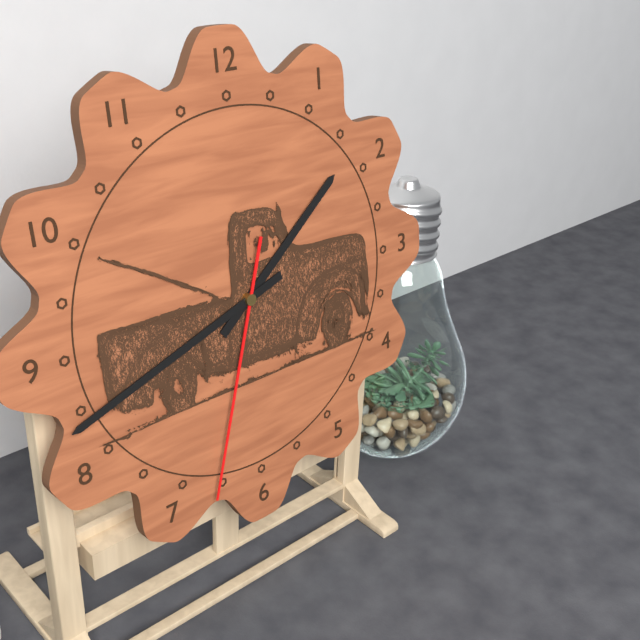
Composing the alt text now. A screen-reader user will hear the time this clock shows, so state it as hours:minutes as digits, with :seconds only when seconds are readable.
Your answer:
1:42:33
